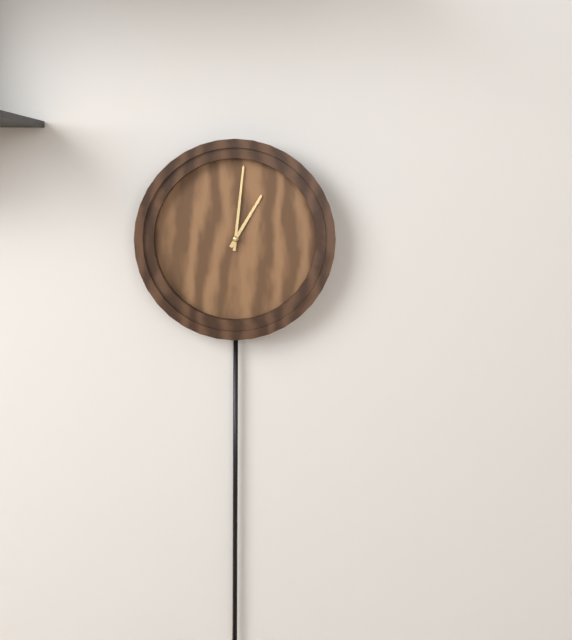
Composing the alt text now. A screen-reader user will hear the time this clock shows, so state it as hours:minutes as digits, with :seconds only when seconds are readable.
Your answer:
1:01
